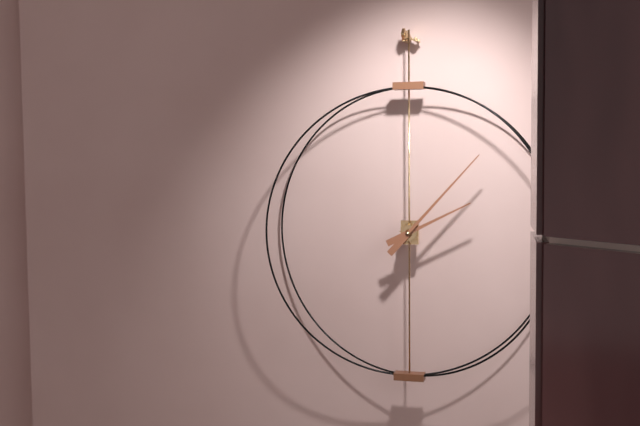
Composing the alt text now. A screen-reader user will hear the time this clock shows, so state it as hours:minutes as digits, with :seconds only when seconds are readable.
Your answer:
2:07
